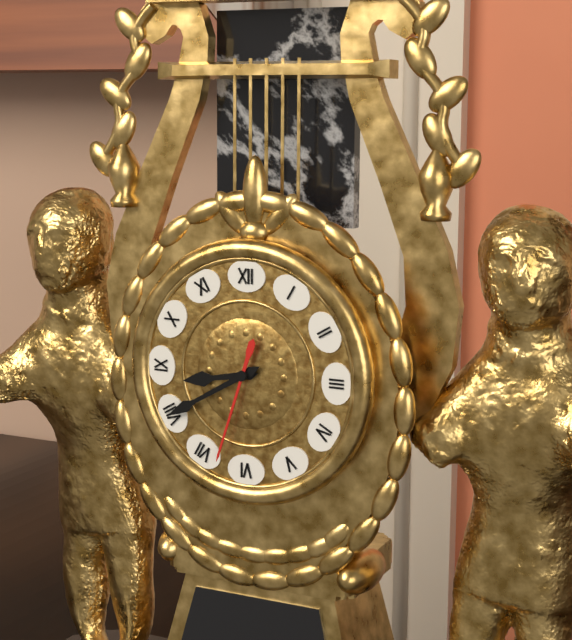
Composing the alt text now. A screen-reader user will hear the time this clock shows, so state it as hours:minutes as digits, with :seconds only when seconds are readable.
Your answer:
8:40:33
